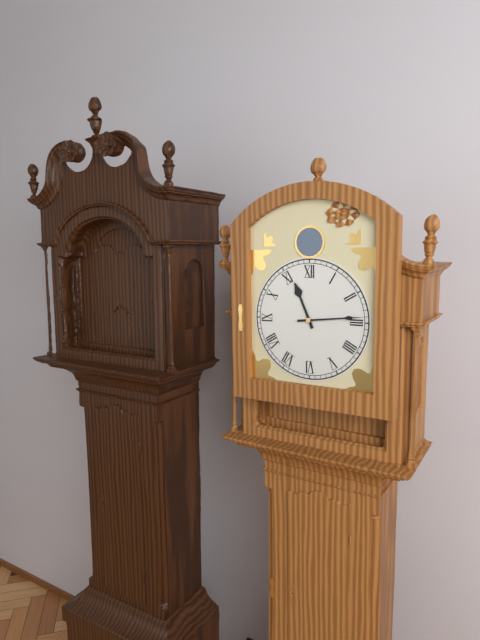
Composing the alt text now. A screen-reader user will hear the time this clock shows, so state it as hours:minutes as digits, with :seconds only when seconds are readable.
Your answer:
11:14
